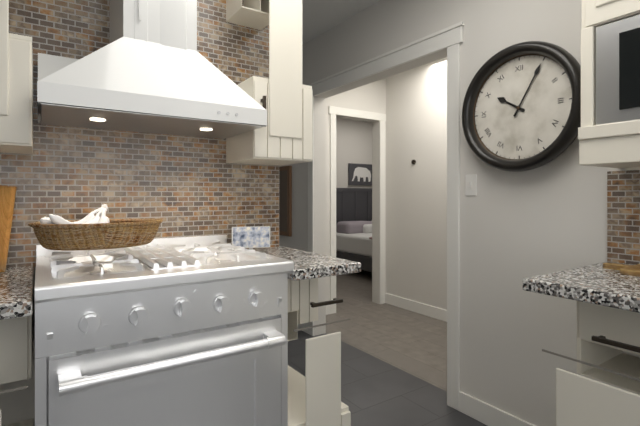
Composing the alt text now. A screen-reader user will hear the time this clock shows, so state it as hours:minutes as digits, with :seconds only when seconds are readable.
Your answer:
10:05
